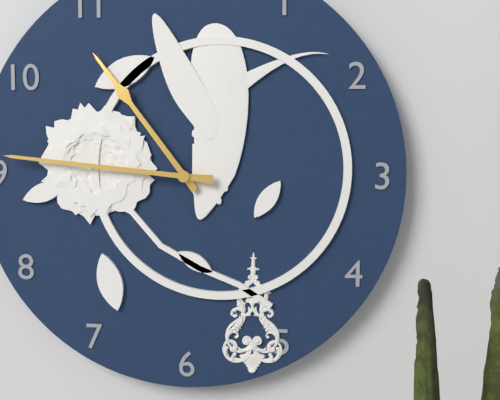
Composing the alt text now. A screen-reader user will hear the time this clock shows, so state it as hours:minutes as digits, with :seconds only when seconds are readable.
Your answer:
10:46
